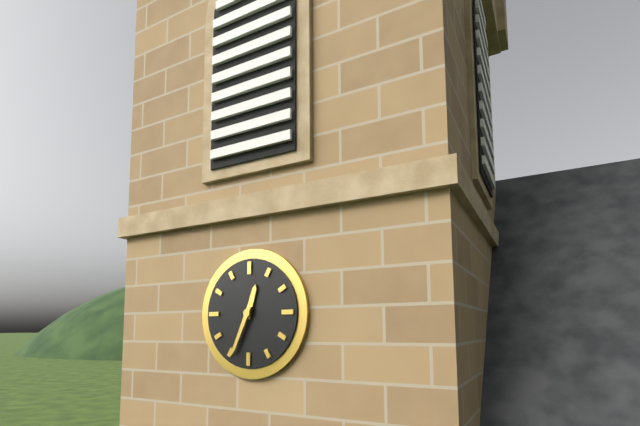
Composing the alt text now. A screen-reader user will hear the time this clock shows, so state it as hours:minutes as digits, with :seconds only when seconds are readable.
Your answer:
12:34
